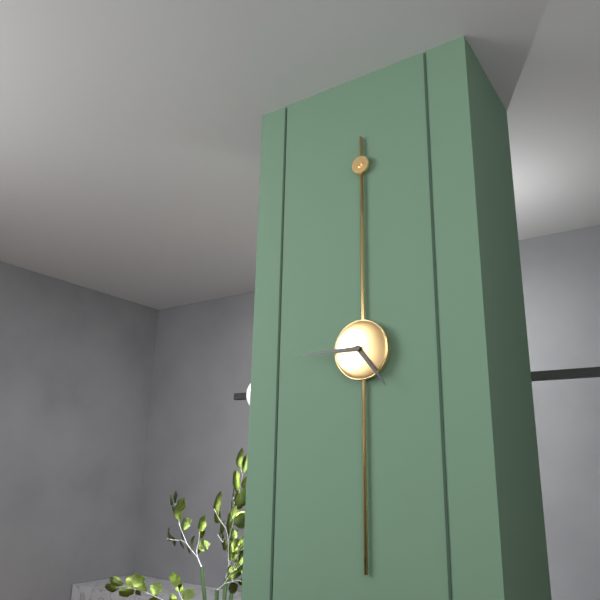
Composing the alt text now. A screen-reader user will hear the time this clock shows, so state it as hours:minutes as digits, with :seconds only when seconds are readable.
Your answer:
4:45
